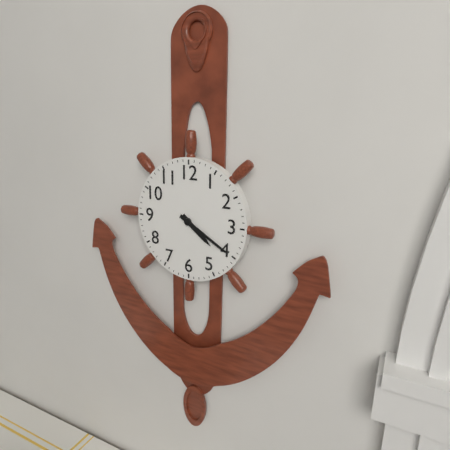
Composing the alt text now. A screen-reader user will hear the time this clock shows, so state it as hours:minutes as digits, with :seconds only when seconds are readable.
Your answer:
4:20
